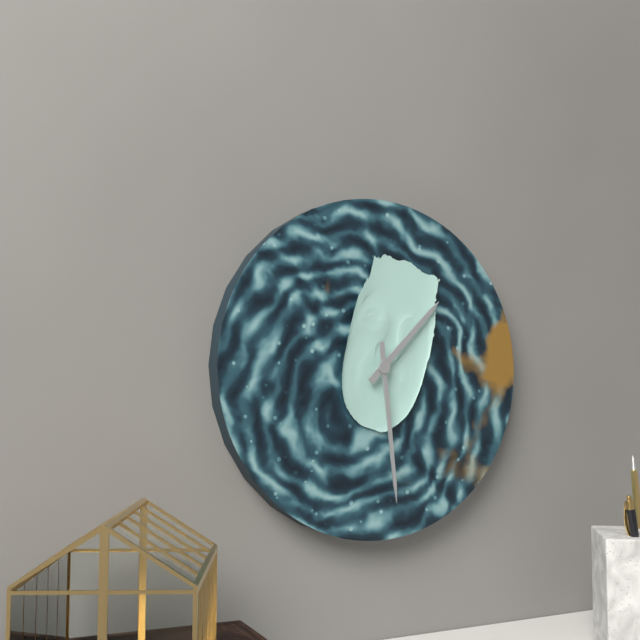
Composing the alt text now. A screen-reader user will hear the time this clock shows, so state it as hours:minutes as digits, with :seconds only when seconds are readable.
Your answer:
1:29
